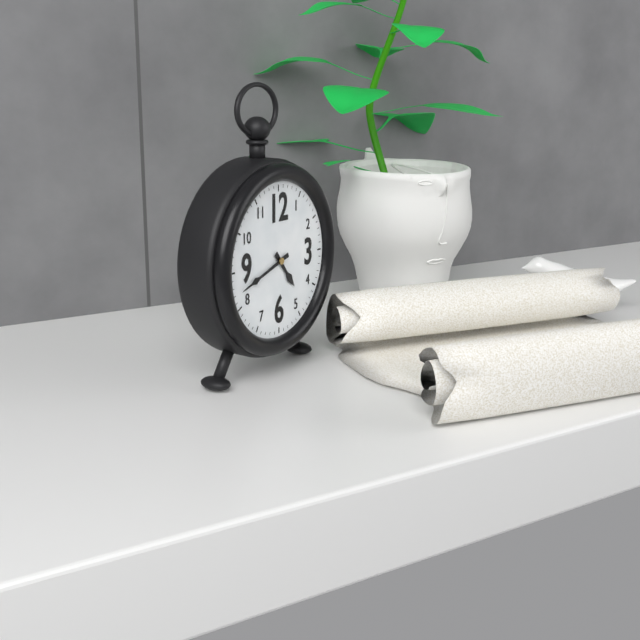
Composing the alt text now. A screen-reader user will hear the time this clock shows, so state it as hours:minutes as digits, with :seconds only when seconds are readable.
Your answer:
4:42
